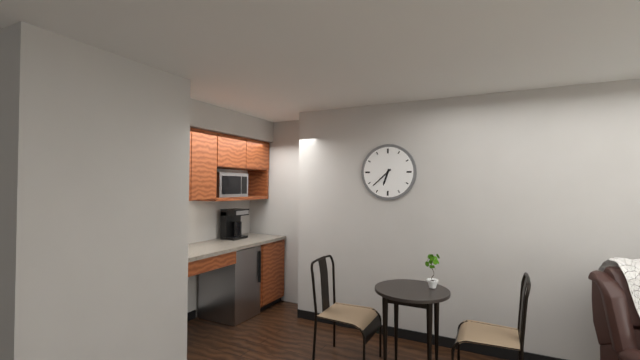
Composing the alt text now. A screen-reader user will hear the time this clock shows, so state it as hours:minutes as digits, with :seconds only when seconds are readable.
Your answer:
6:38
